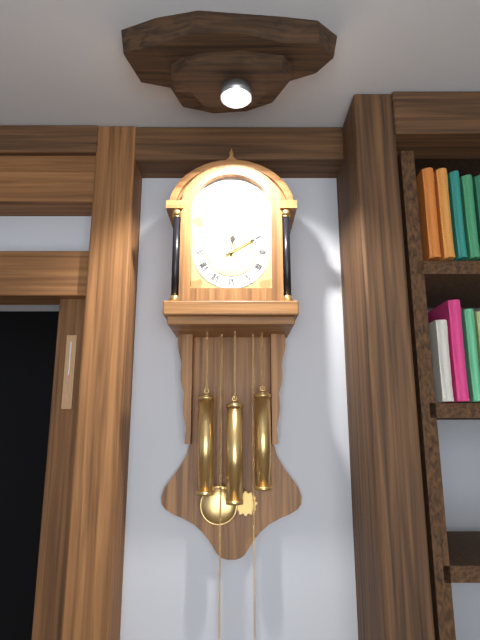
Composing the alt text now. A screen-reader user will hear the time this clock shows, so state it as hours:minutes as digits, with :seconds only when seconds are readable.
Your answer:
12:10
